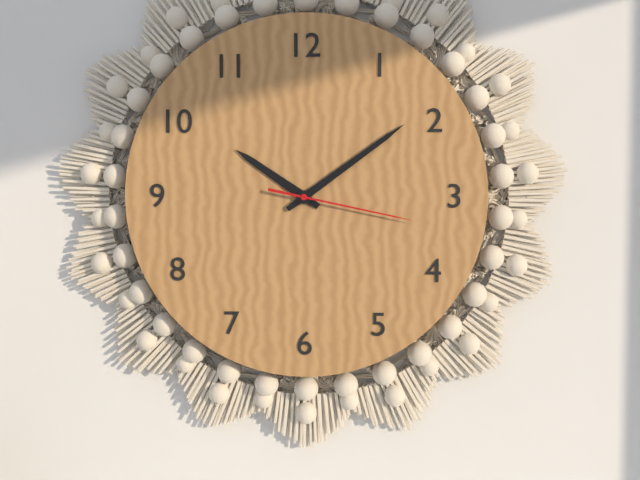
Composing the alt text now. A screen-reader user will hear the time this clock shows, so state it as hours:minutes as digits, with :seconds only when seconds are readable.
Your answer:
10:09:17
